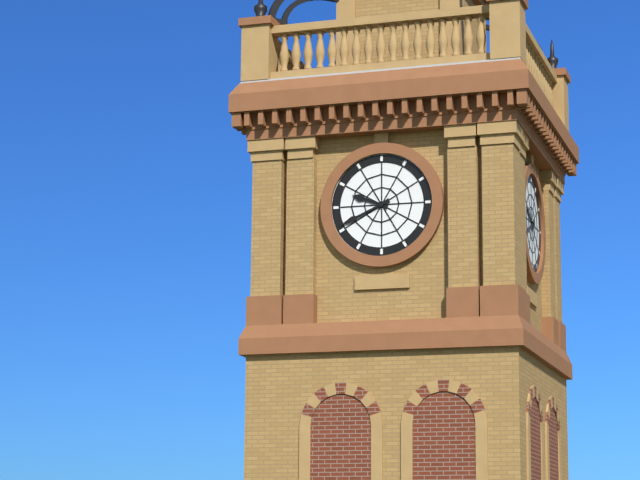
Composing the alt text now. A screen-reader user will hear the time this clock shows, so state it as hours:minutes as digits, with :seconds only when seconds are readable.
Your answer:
9:41
